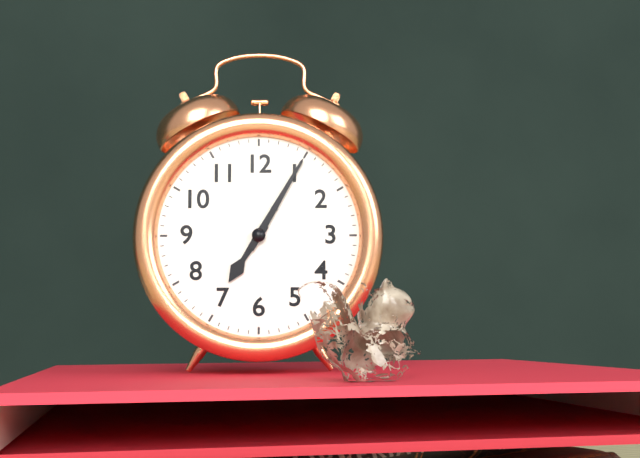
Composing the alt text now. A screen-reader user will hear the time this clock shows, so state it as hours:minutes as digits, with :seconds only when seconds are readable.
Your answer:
7:05
